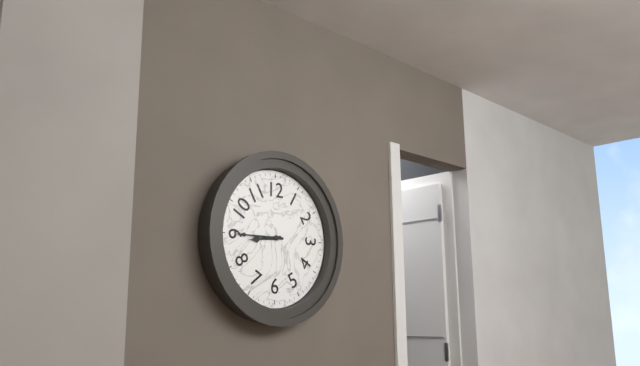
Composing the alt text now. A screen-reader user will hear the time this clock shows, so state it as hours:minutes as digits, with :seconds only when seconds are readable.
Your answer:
8:45
